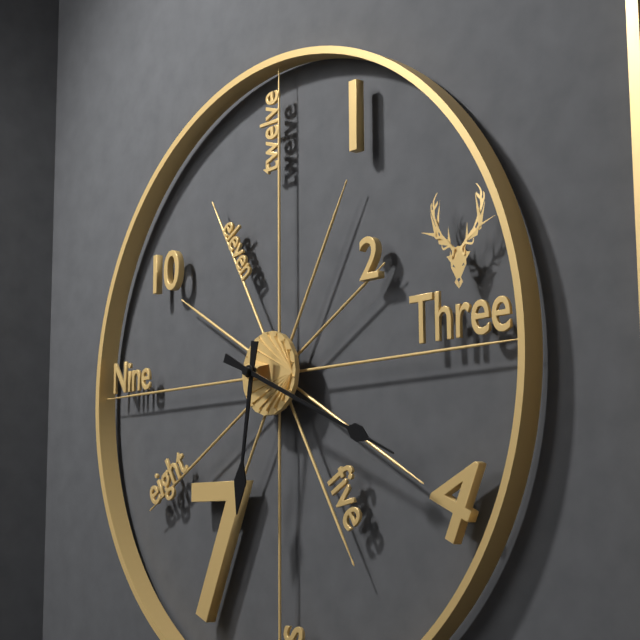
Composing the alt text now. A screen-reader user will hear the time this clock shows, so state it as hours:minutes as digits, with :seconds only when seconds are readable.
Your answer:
6:19
